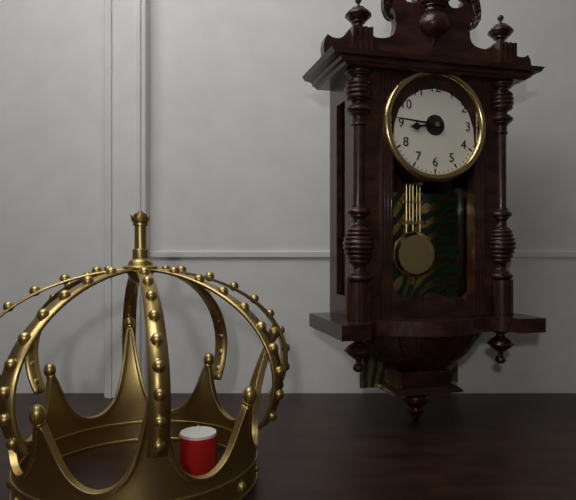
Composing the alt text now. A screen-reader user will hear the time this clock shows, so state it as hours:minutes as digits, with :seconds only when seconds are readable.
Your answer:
8:46
